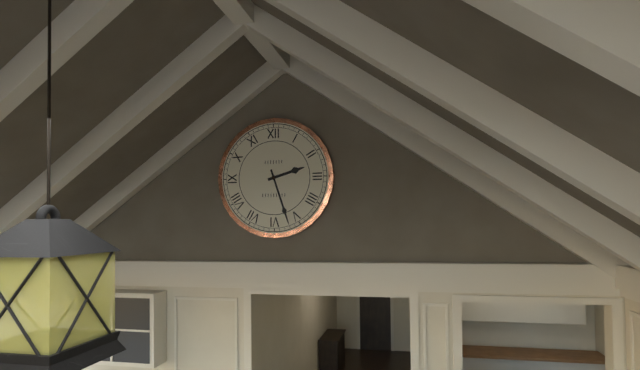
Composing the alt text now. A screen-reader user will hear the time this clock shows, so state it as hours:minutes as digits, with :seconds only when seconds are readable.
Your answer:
2:27
